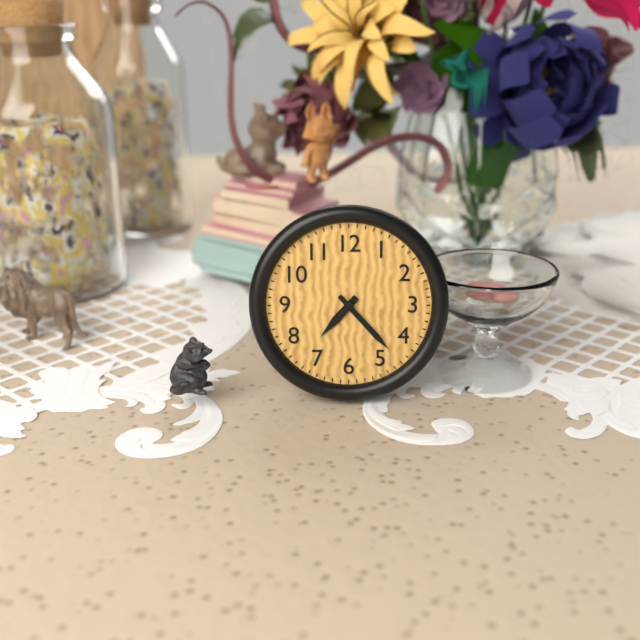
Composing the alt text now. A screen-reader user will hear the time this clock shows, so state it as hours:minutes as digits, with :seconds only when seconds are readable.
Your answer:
7:23
